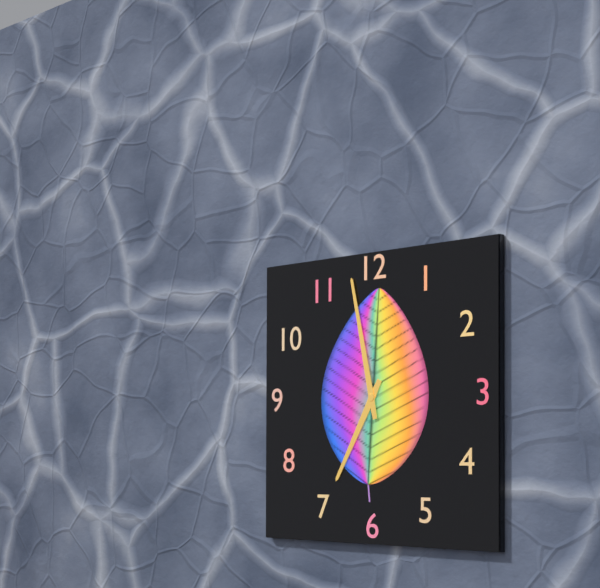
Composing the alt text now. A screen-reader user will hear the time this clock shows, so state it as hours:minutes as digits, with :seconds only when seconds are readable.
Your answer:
6:58
